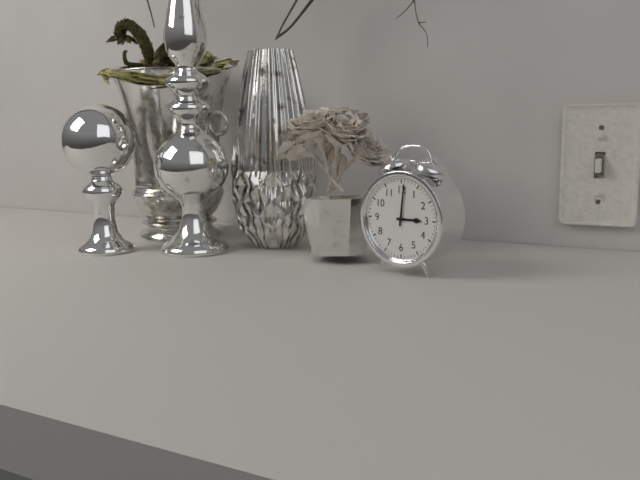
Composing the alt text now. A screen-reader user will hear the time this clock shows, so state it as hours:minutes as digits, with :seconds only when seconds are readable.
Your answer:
3:01
